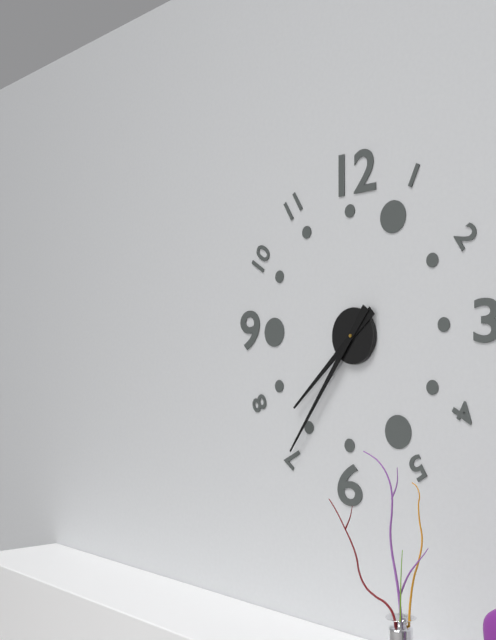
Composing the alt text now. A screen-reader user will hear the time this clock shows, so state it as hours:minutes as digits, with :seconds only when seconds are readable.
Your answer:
7:36
